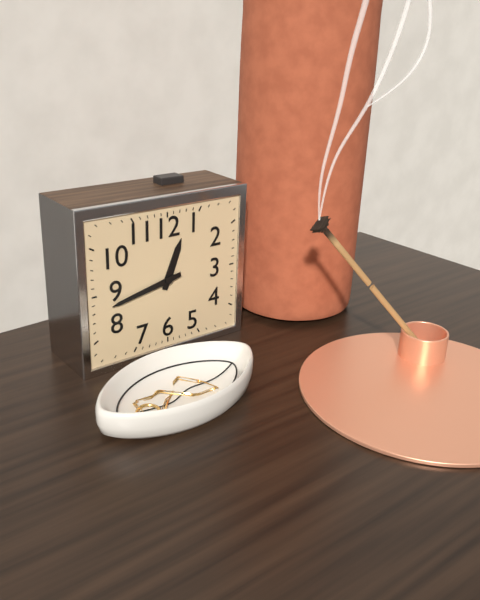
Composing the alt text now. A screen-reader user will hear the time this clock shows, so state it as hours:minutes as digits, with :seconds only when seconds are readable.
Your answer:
12:43
